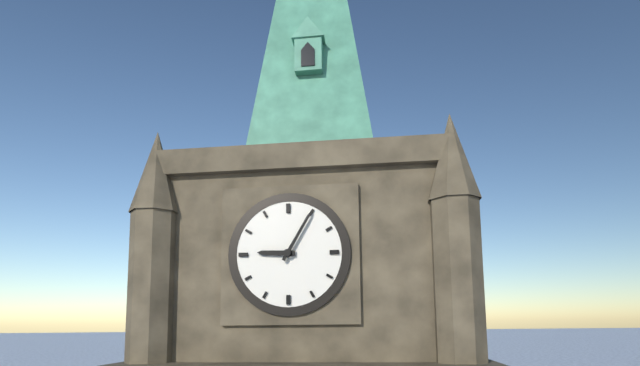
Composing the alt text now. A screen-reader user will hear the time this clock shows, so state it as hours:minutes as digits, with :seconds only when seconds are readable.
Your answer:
9:05
